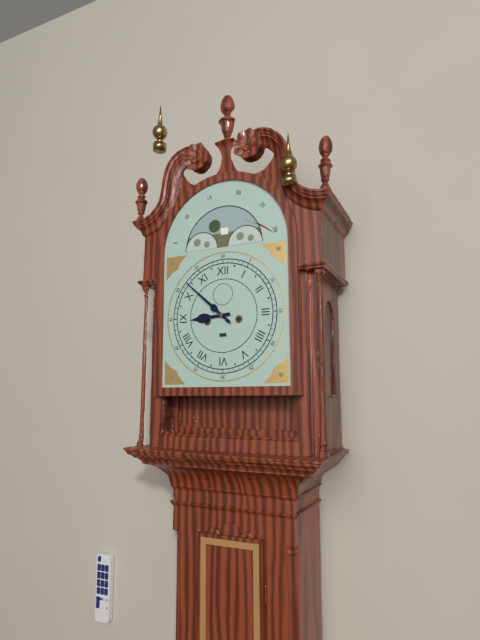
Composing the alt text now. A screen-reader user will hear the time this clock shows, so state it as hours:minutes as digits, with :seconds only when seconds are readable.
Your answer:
8:52
